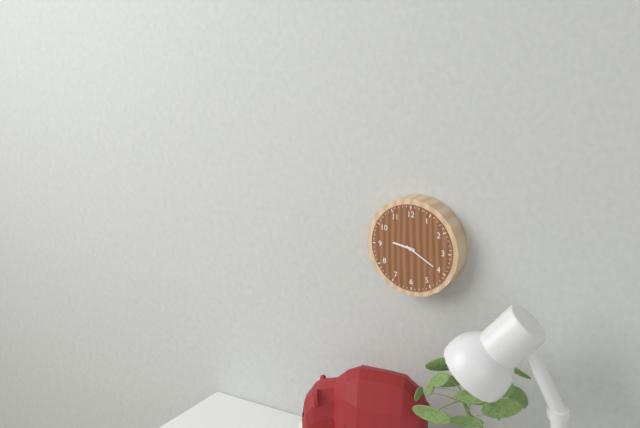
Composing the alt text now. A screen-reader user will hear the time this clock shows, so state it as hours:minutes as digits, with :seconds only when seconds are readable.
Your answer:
9:20
